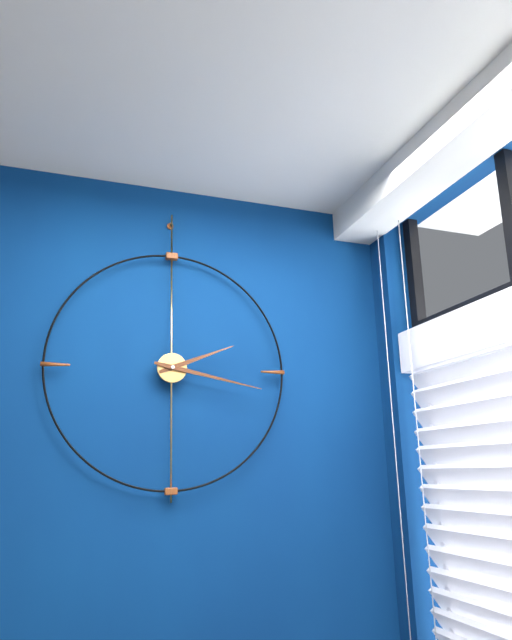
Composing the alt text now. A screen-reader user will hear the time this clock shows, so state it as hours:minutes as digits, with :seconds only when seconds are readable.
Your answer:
2:17
